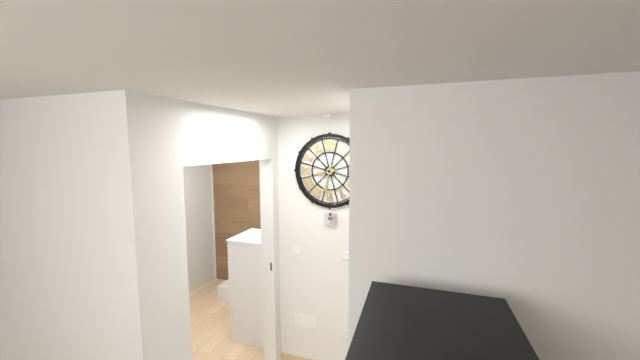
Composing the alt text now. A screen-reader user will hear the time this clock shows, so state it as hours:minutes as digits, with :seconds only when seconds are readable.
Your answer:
8:32
